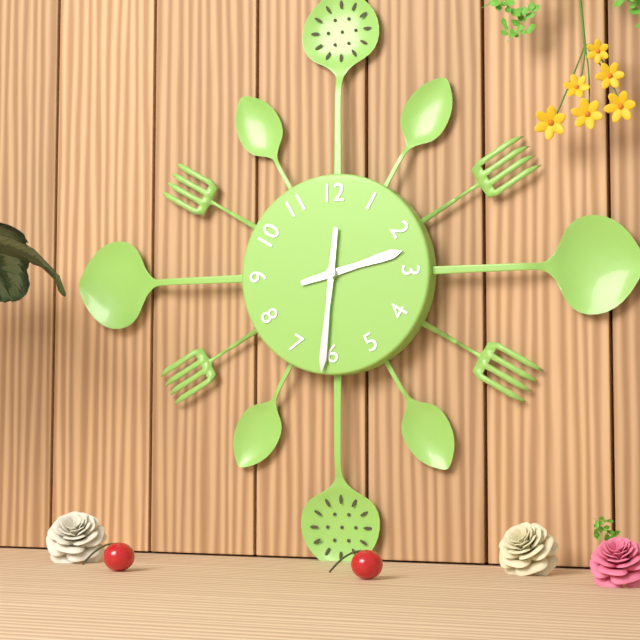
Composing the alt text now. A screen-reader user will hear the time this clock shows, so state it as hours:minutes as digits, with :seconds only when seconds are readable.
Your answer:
2:31
